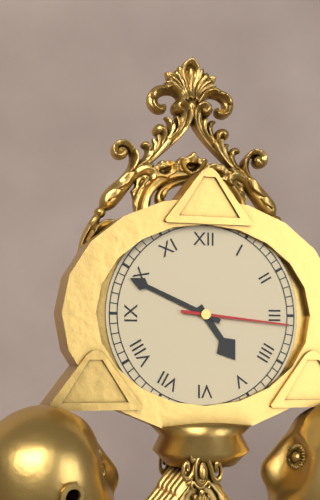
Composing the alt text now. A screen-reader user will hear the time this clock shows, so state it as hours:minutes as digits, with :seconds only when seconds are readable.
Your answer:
4:49:16
